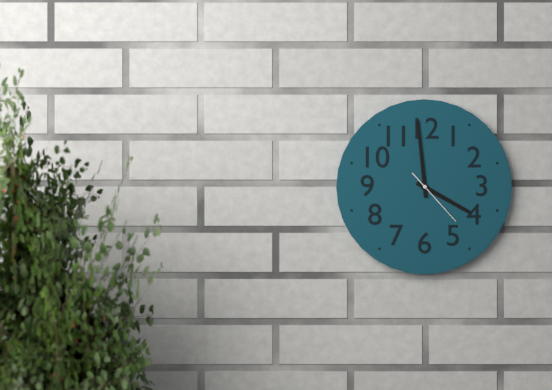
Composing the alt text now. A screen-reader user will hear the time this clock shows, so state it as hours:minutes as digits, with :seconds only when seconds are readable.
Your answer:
3:59:23
